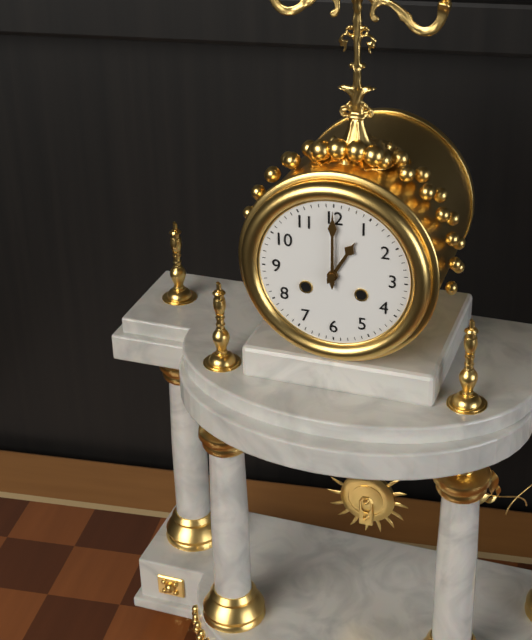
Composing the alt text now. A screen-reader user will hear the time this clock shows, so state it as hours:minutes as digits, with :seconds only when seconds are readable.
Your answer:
1:00
